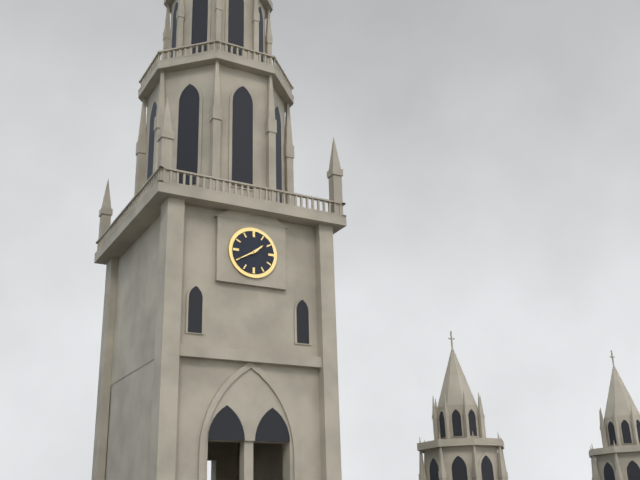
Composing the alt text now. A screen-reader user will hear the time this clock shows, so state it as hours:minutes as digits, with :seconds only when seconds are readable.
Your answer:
1:40
